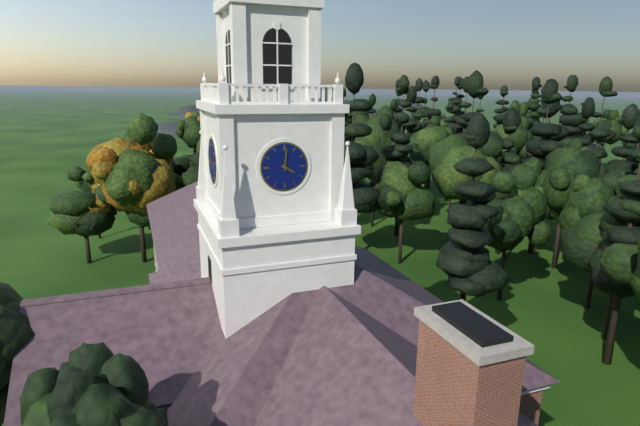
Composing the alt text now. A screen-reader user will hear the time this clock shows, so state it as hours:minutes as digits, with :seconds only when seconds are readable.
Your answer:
4:01
